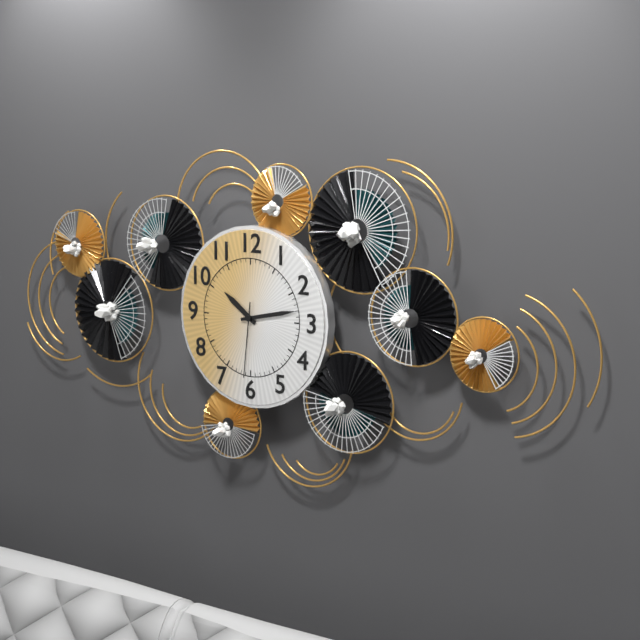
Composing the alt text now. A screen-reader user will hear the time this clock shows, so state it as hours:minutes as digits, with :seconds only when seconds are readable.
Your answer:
10:13:31
